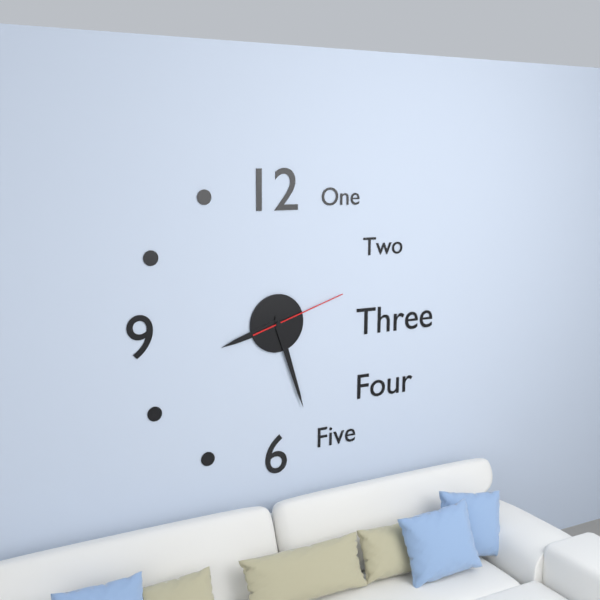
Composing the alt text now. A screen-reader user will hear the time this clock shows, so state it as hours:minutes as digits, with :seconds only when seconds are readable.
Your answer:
8:27:12
